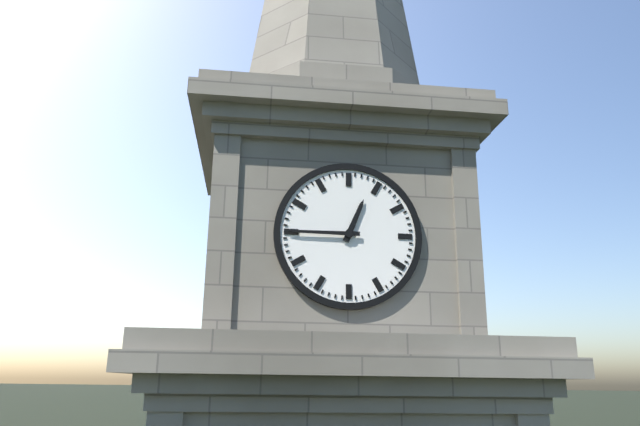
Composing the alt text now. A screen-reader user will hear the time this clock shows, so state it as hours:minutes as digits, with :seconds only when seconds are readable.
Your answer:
12:45
